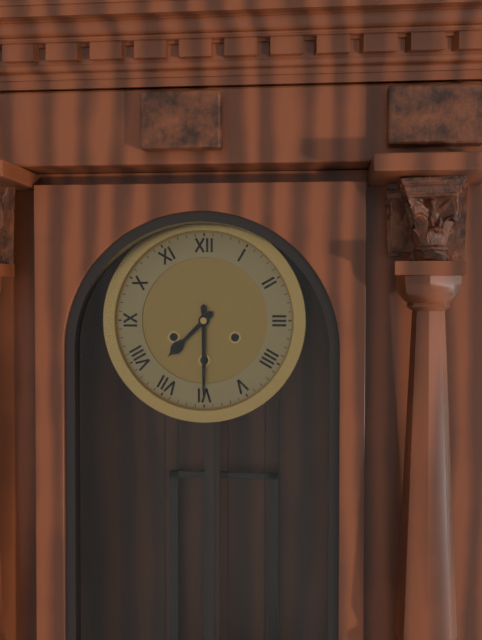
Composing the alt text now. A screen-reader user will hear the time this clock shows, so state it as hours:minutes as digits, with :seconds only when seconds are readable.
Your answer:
7:30
